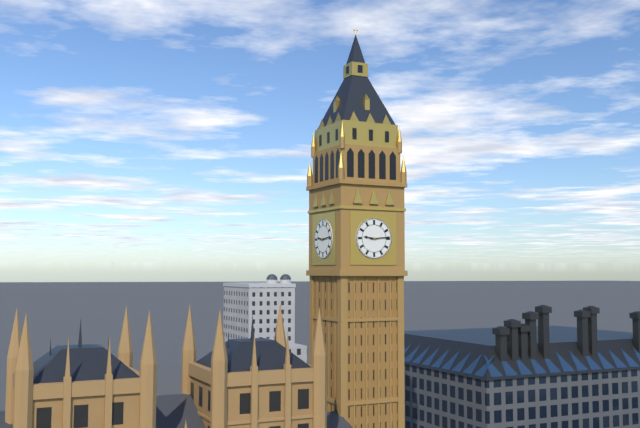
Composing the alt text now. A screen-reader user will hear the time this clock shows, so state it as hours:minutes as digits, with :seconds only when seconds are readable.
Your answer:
9:14
